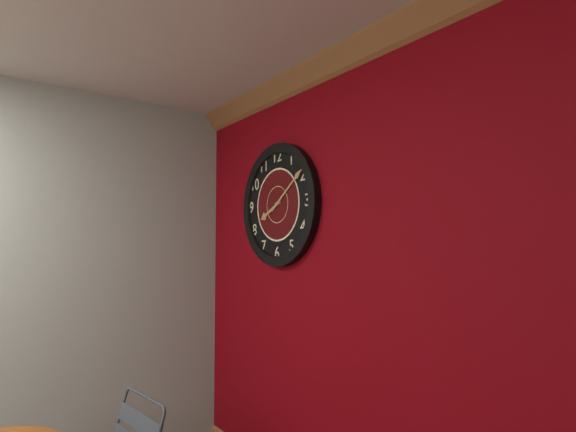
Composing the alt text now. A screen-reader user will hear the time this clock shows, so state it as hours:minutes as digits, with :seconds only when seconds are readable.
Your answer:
8:09
